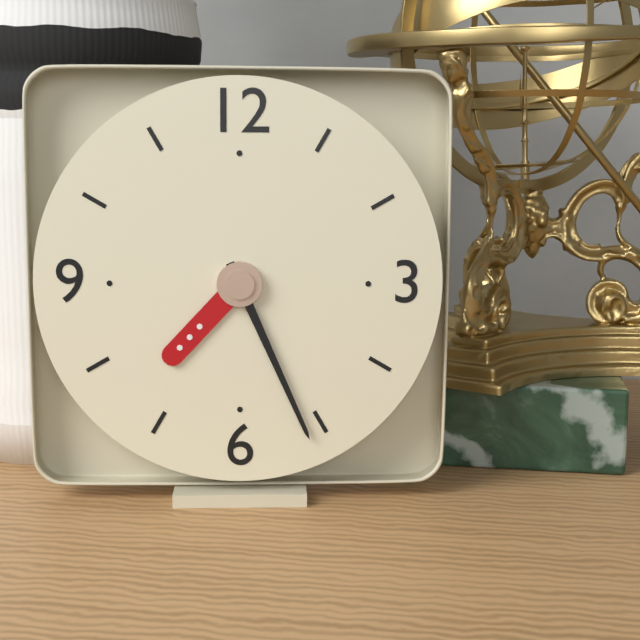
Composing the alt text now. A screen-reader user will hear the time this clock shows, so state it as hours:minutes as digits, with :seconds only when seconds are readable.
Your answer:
7:26
